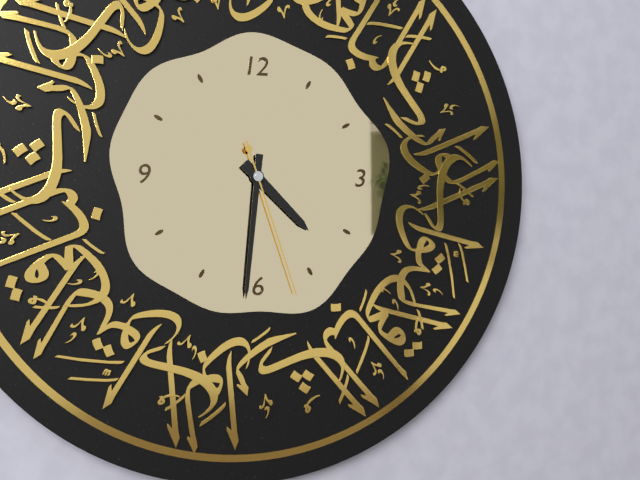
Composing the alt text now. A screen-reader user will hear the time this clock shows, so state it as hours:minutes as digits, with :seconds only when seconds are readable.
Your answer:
4:31:27
